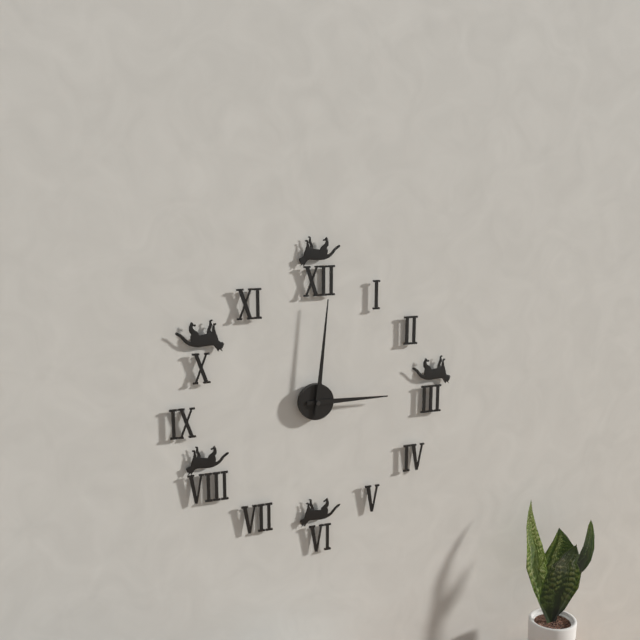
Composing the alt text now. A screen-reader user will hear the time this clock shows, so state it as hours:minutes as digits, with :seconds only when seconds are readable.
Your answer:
3:01
